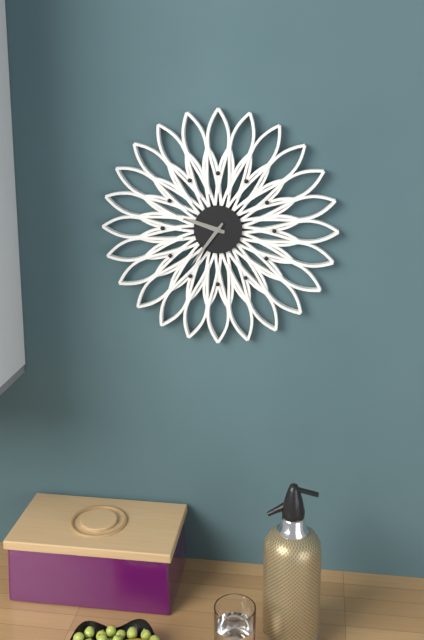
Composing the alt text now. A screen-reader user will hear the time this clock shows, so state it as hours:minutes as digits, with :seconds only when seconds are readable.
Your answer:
9:36
